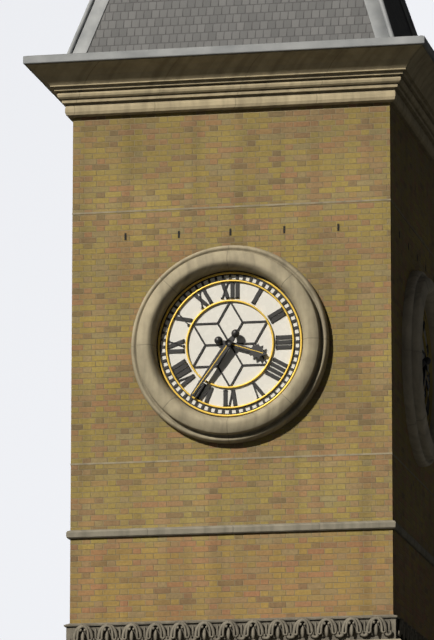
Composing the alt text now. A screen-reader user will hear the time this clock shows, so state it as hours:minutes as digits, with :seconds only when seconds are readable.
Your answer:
3:36
